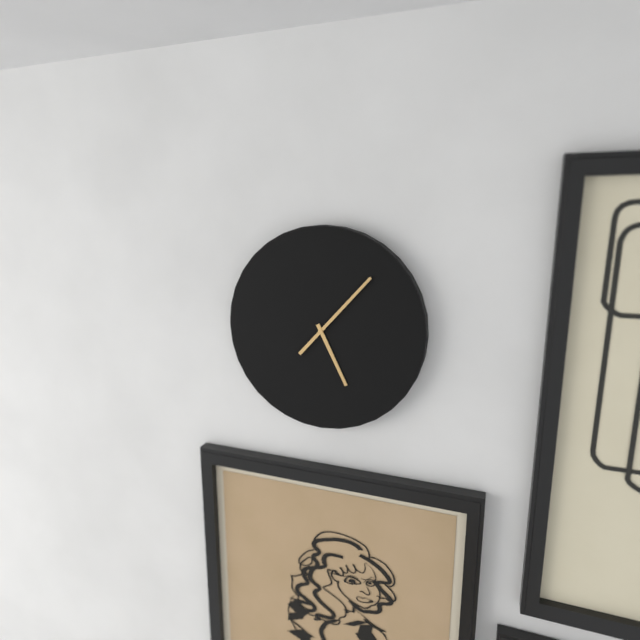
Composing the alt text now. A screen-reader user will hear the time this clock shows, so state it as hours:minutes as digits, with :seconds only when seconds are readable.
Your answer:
5:07
